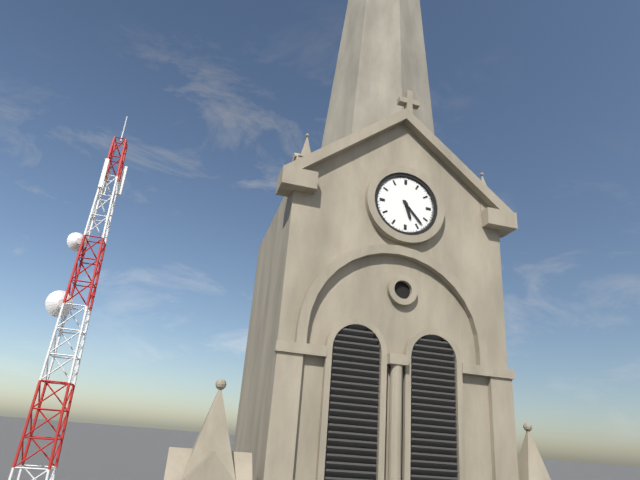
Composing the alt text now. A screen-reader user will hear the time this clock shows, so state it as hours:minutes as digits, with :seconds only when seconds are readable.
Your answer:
5:23
